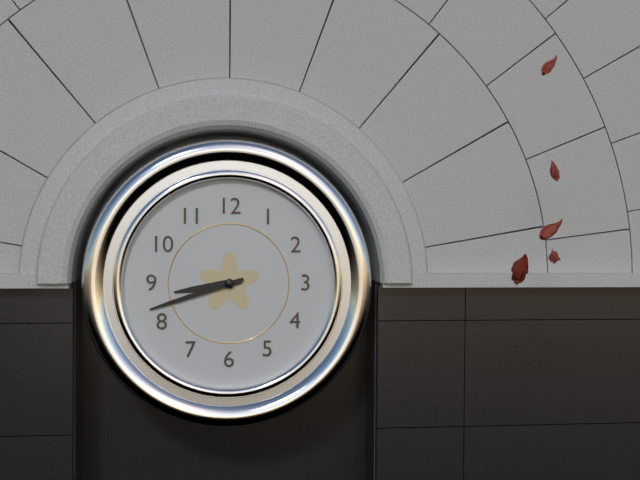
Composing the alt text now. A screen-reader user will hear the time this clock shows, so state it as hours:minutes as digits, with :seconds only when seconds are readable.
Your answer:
8:42
